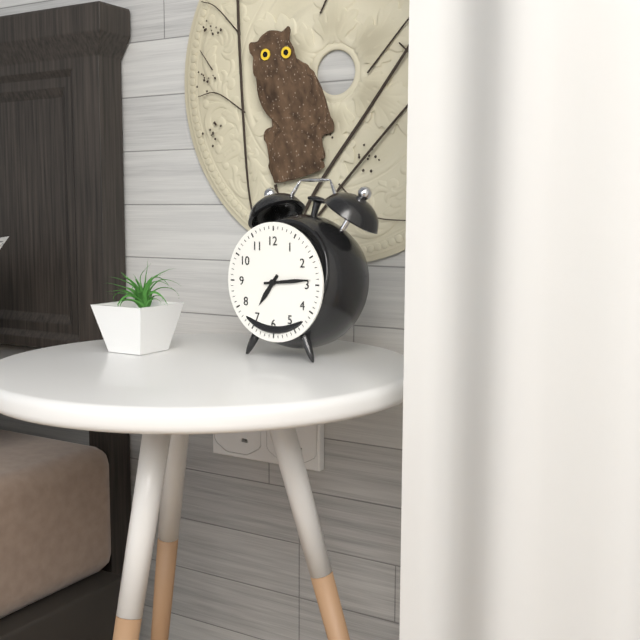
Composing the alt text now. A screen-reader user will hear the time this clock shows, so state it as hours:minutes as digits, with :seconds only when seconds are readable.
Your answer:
7:14
